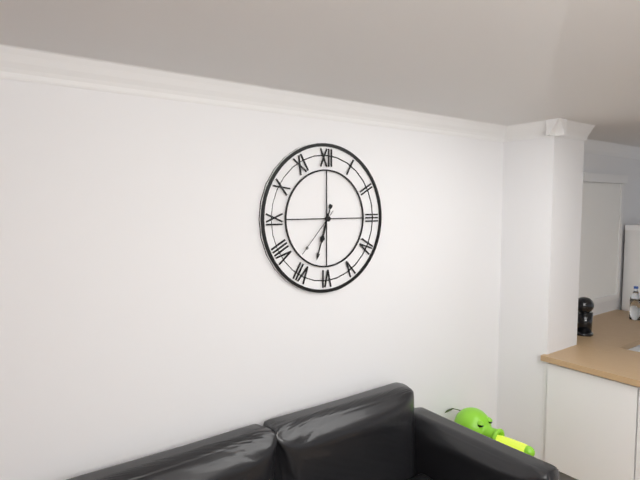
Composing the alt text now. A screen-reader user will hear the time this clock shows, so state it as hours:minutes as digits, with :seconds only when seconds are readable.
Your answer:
6:33:37
